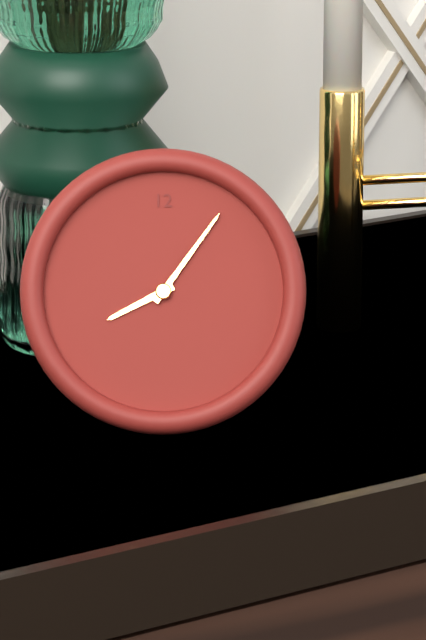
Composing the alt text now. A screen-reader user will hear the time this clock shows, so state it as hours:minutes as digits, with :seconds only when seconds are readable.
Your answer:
8:06
